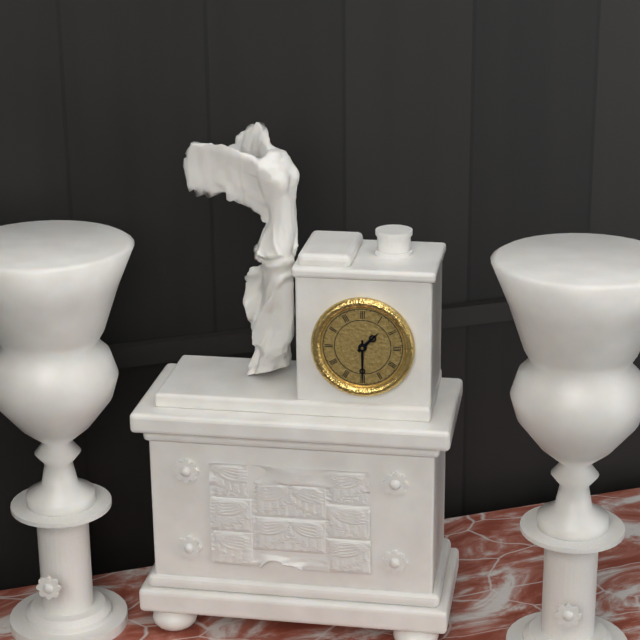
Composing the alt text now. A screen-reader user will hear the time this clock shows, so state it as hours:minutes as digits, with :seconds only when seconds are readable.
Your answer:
1:30
